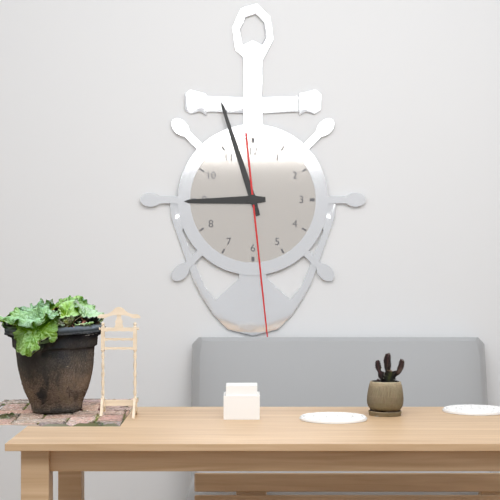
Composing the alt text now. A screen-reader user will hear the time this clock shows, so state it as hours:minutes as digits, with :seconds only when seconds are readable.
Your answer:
8:57:29
